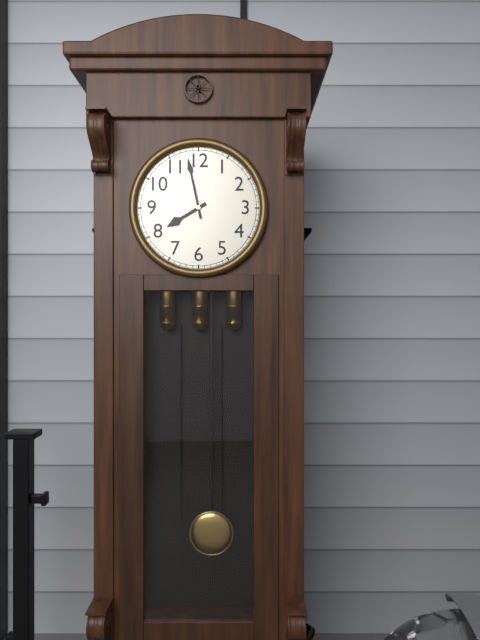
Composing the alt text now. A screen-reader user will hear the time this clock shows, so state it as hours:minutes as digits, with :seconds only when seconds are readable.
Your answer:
7:58
